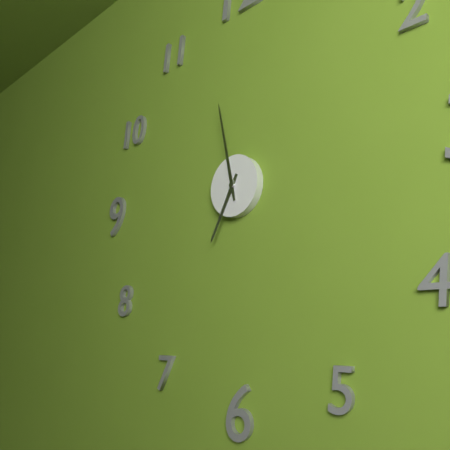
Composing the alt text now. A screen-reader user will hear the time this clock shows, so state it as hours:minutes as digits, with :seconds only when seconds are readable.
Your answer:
6:58
